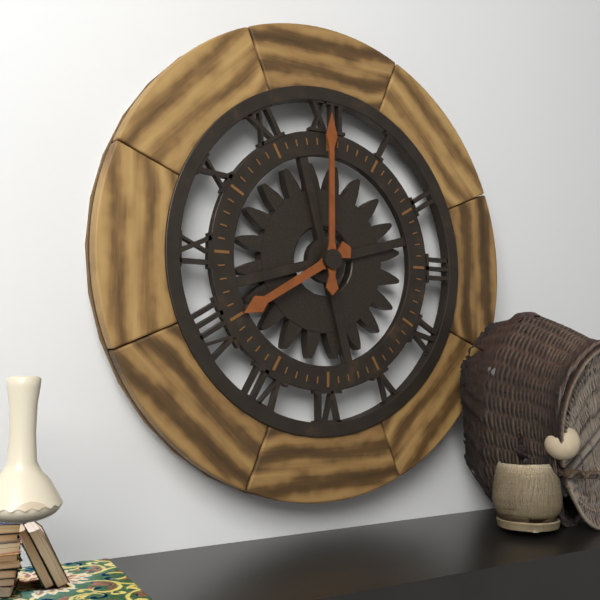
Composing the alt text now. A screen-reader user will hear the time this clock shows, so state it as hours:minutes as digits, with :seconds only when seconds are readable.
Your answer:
8:00
